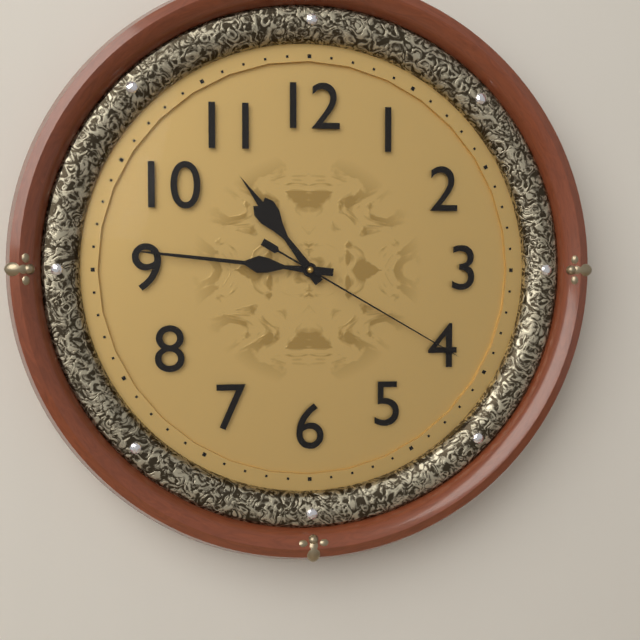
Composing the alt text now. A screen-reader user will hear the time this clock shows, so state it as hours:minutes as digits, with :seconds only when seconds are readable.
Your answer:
10:46:20
